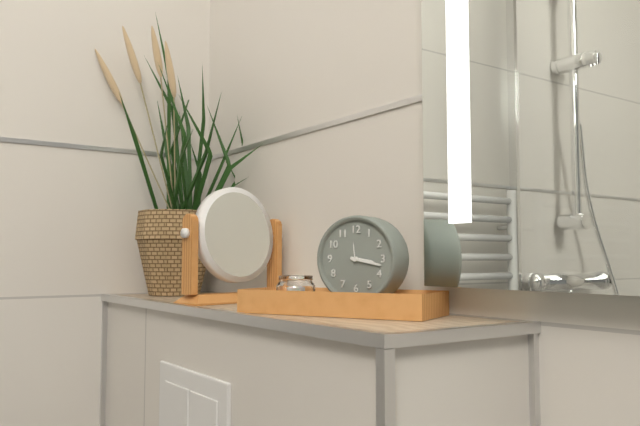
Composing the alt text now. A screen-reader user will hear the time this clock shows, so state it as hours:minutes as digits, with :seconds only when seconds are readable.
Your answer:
3:17
